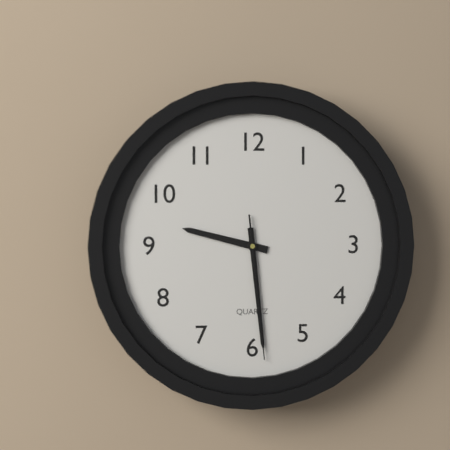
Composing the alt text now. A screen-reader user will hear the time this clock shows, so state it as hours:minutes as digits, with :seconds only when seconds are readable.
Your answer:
9:29:29
